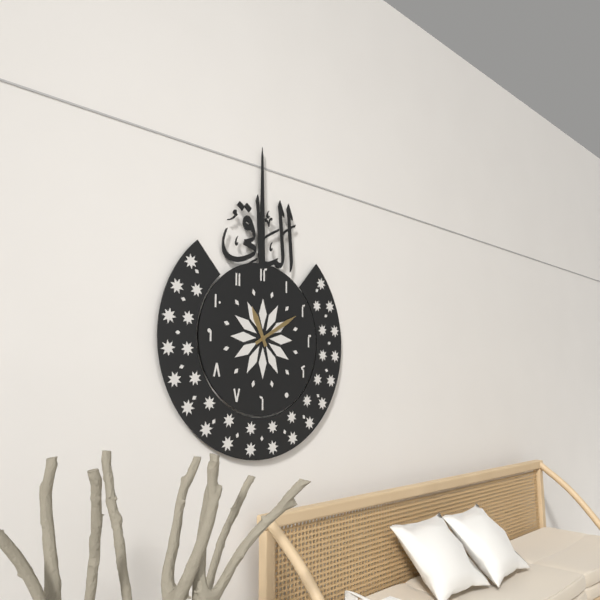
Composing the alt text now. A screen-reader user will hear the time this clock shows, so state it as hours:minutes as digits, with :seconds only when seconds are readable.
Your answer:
11:10
